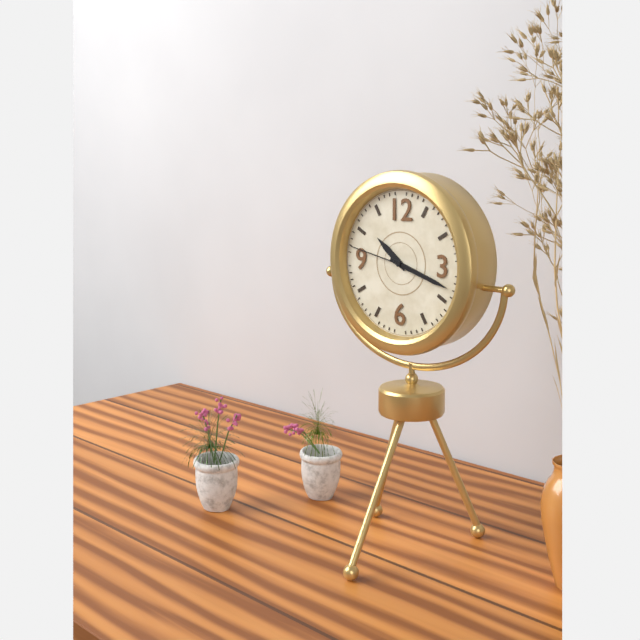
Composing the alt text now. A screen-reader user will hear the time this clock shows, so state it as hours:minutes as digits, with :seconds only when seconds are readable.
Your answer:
10:18:47
